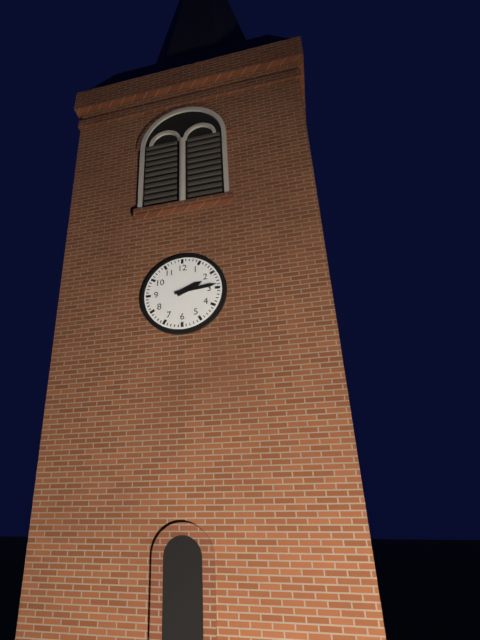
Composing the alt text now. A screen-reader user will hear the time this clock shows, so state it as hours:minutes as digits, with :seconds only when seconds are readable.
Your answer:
2:14
